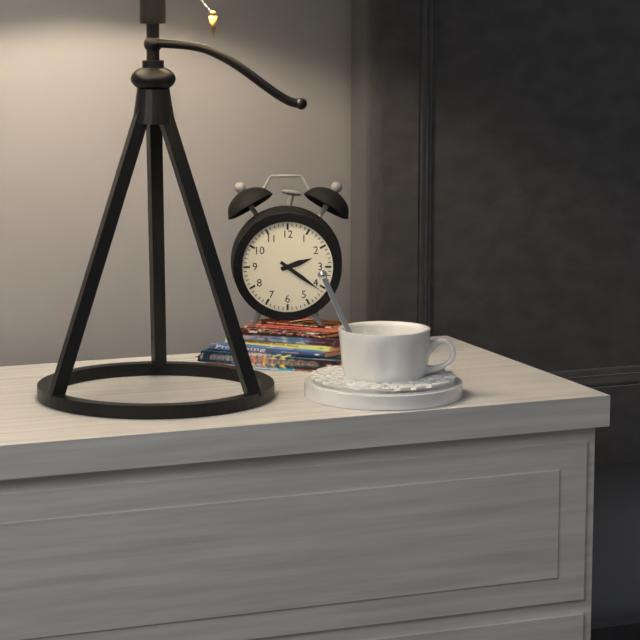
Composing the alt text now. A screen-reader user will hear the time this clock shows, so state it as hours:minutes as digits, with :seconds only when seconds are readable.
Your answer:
2:21
